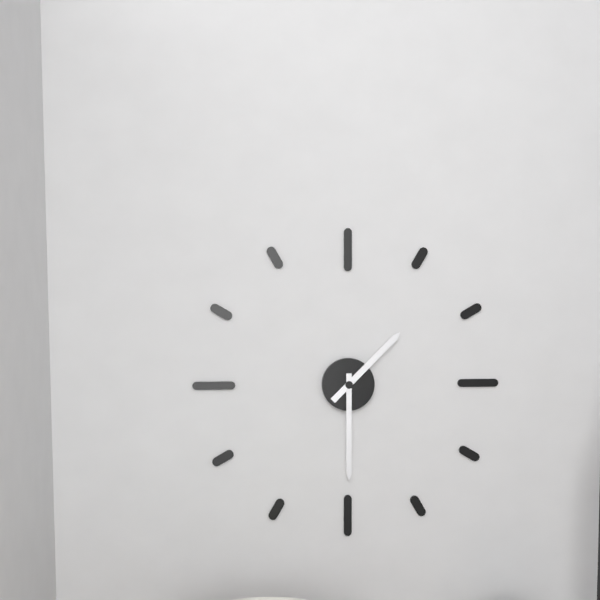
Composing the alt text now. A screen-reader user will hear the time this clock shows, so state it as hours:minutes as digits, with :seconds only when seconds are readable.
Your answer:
1:30
